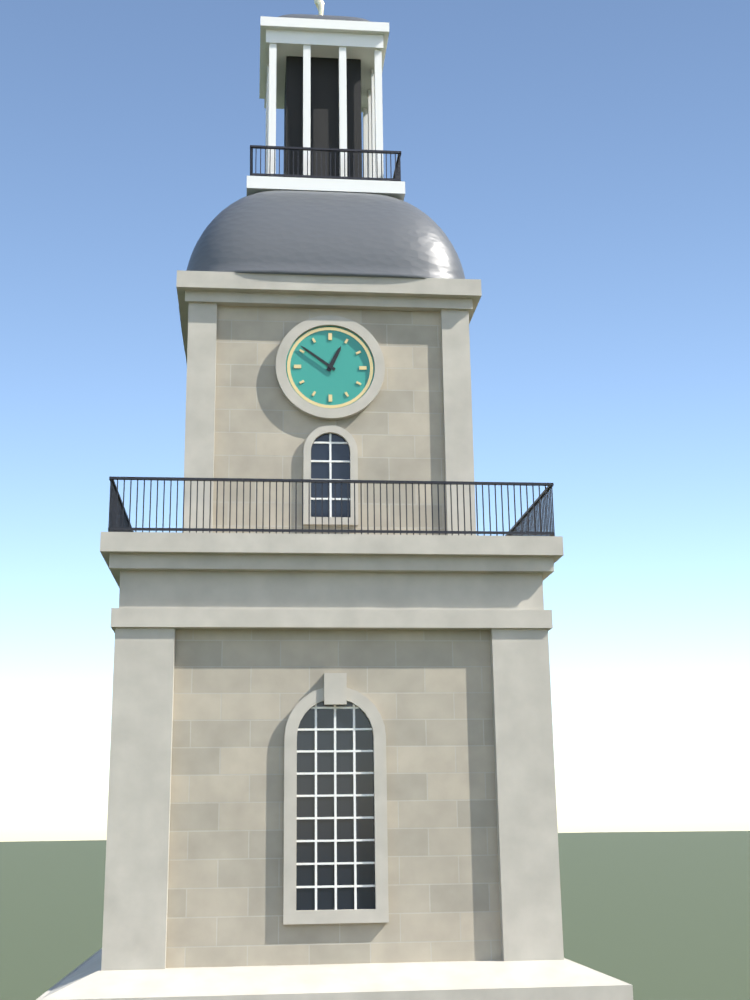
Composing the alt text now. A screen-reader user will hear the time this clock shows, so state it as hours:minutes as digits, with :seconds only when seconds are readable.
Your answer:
12:51
